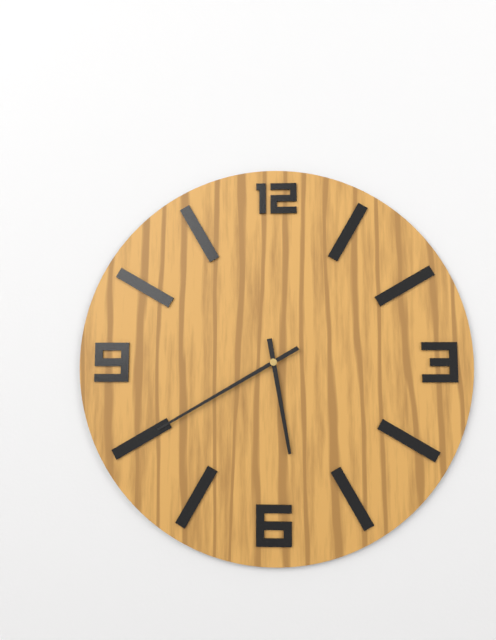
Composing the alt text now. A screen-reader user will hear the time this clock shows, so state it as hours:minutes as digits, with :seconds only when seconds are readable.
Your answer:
5:40
